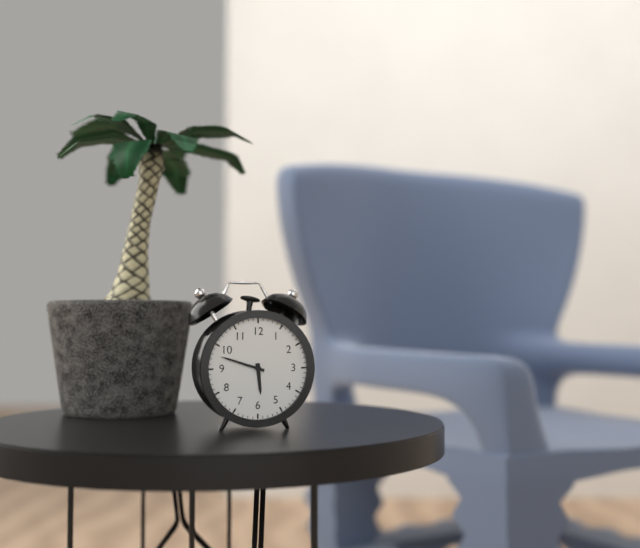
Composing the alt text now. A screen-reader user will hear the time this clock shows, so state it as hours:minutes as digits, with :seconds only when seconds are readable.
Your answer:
5:48
